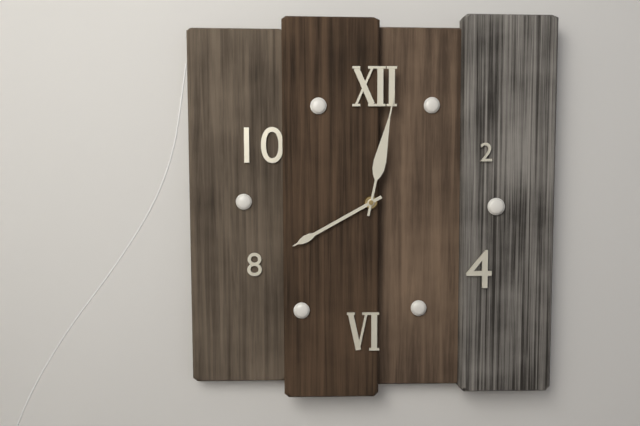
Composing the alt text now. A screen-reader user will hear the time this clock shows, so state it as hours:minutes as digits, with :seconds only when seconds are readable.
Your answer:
8:02
